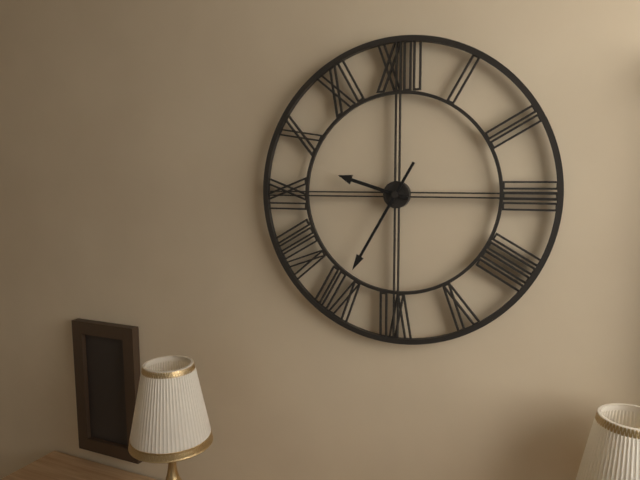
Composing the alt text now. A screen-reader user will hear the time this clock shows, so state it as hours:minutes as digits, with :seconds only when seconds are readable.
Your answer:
9:35
